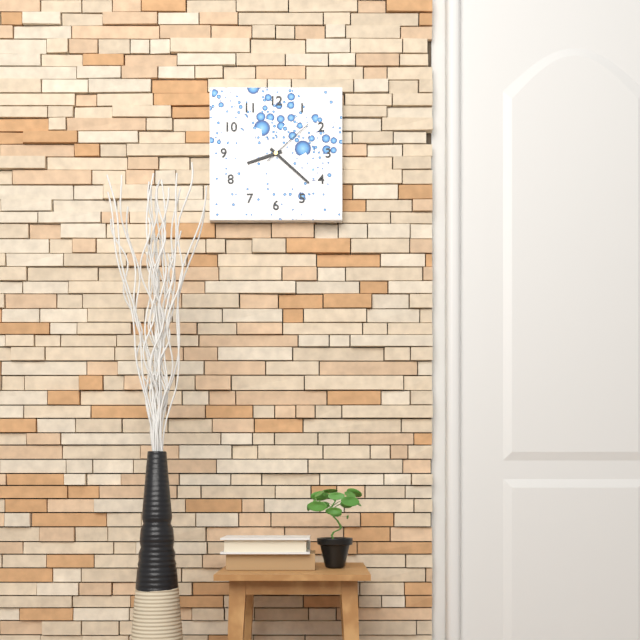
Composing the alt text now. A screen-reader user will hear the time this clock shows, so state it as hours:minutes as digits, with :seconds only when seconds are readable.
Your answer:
8:22:08
